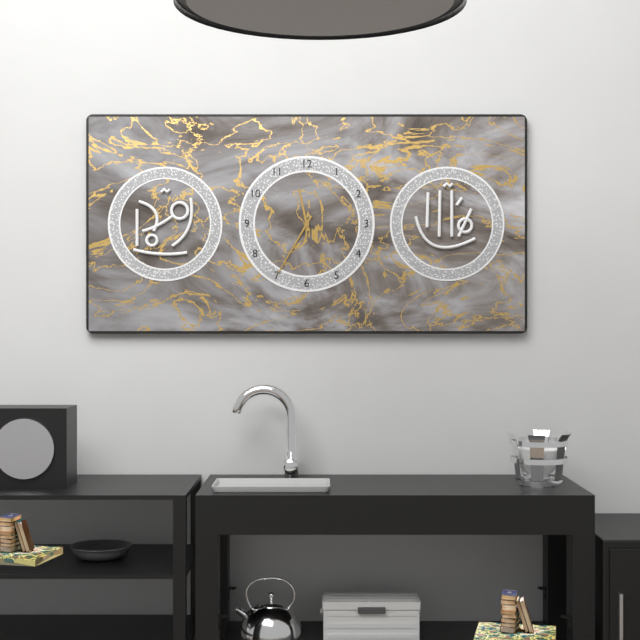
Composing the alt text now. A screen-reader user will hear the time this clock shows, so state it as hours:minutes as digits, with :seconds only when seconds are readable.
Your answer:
11:35
